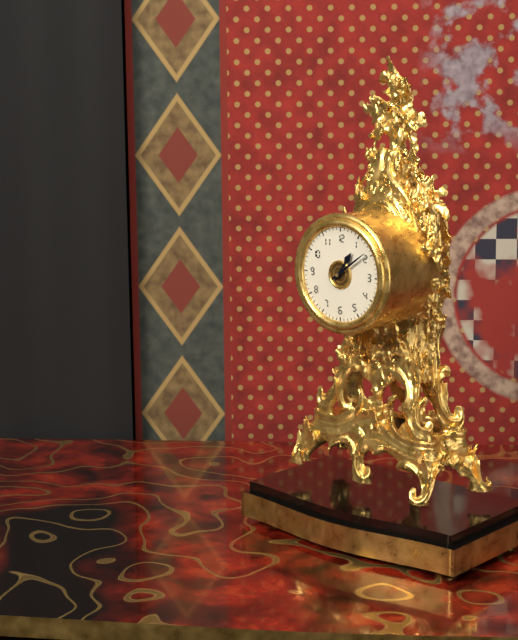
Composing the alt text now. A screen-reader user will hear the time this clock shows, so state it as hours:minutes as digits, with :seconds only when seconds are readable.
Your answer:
1:09
